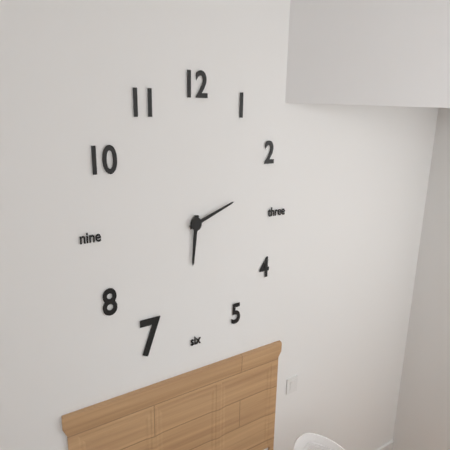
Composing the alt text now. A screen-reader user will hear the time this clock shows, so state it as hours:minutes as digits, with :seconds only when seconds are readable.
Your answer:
6:12
